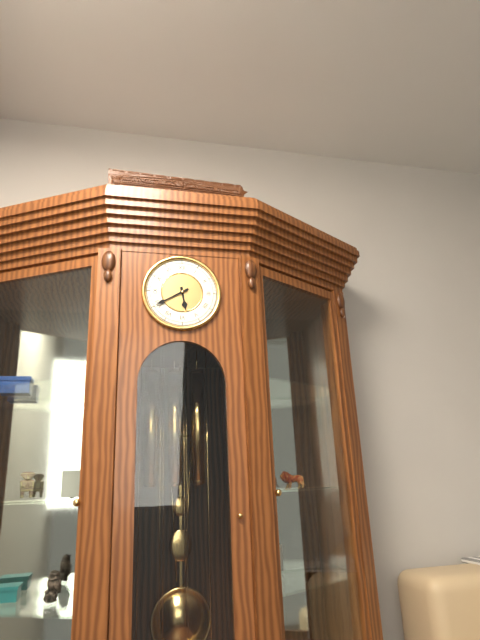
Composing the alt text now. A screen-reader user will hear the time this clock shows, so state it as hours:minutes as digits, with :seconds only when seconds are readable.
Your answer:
5:40
